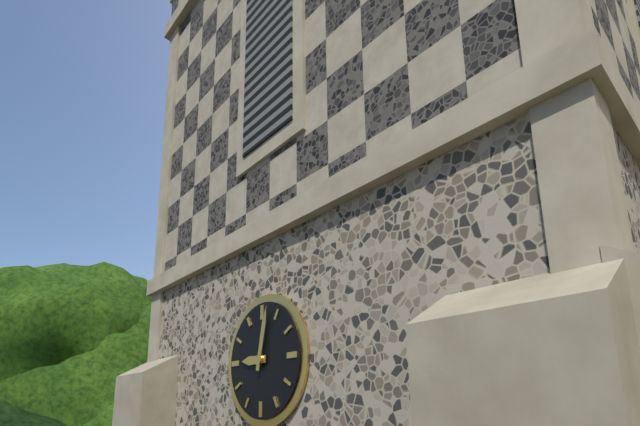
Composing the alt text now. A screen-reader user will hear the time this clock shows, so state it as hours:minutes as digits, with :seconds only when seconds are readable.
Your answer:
9:02
